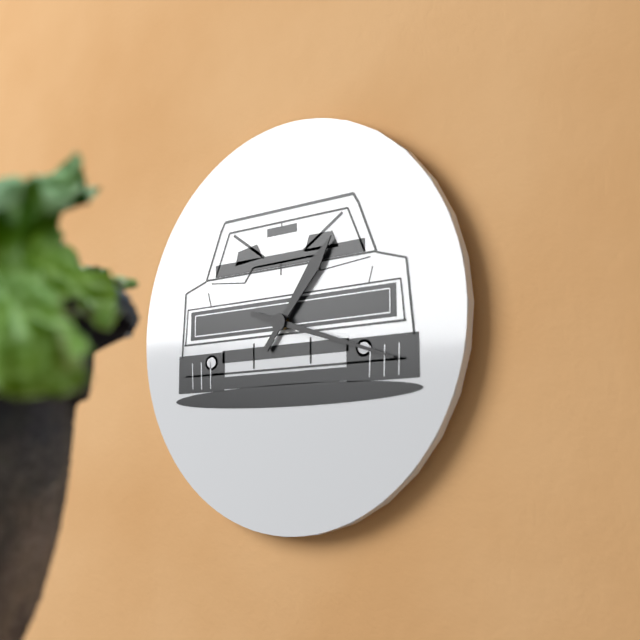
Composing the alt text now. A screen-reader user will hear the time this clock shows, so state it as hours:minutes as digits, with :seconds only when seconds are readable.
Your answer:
1:18
